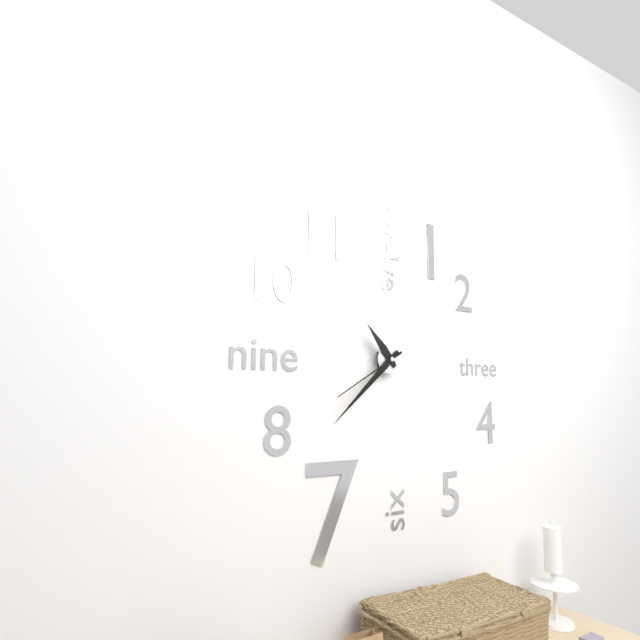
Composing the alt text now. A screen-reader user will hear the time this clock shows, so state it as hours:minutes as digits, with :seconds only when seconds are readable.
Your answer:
10:38:40
